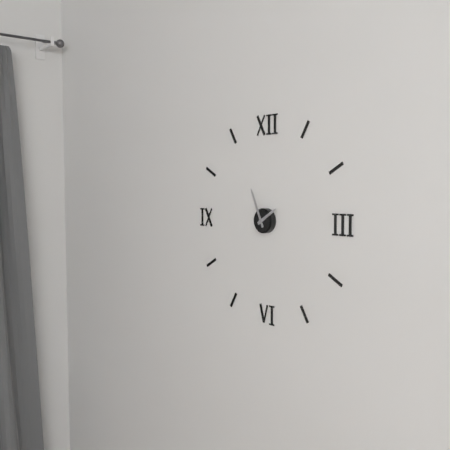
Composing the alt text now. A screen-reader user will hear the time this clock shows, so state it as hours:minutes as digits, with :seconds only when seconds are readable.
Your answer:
1:56
